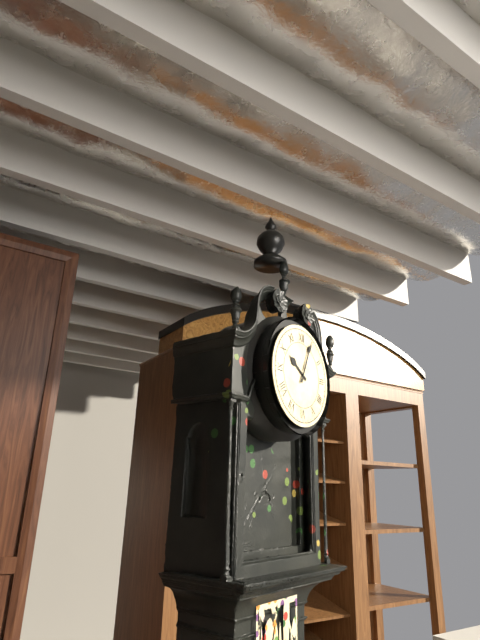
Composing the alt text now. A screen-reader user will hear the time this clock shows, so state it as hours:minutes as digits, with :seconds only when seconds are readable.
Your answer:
10:04
